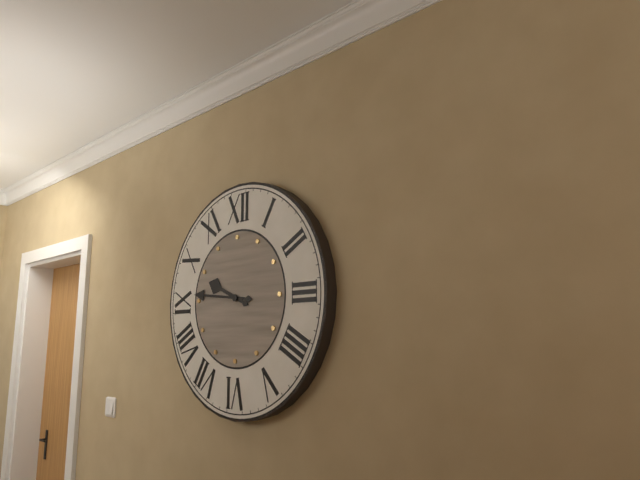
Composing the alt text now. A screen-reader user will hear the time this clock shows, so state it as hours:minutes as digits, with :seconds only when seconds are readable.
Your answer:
9:46
